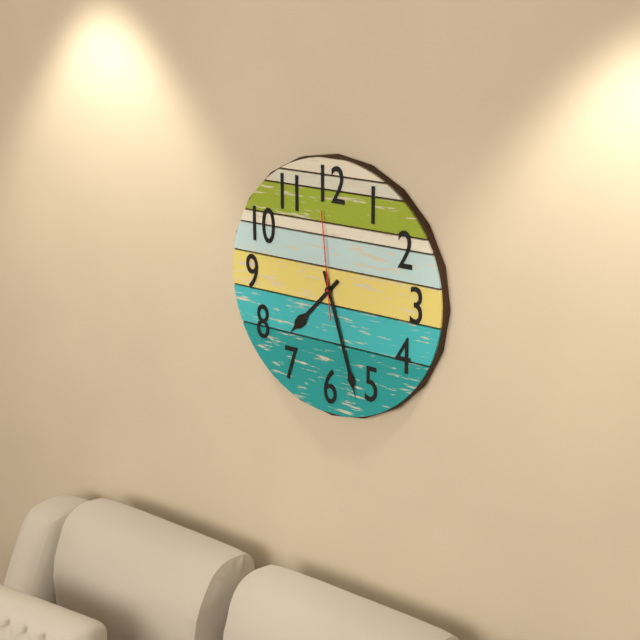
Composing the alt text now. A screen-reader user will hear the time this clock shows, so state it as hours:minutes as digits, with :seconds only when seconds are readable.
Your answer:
7:27:59
